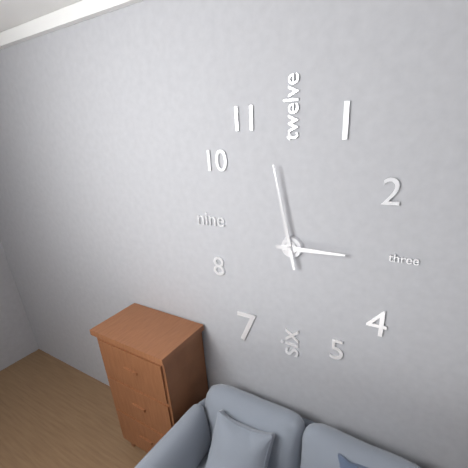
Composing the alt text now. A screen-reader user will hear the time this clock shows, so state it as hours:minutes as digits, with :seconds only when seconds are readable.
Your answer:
2:58
